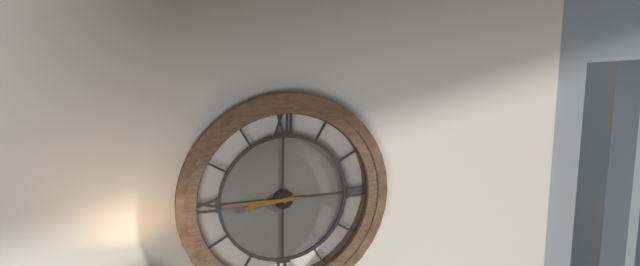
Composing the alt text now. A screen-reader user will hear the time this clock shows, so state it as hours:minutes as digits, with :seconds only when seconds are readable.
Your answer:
8:45
